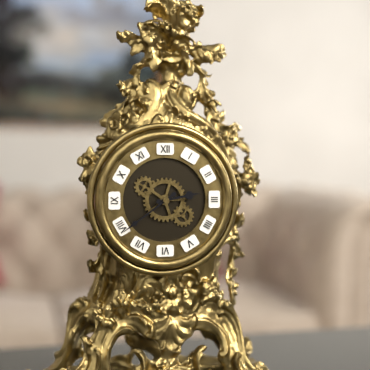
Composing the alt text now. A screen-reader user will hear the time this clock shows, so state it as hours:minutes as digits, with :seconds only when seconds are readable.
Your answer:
2:39
